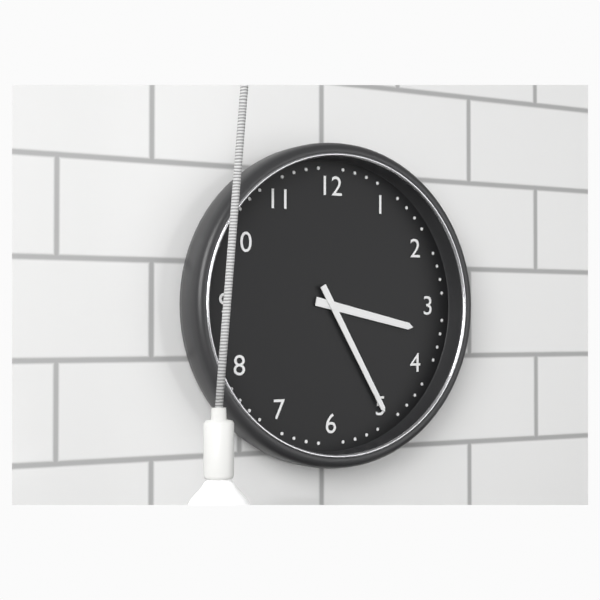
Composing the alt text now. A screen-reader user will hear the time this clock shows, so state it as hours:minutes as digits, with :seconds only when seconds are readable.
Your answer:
3:25
